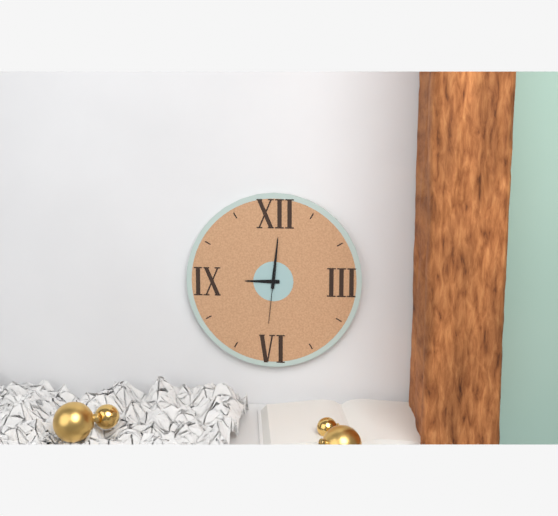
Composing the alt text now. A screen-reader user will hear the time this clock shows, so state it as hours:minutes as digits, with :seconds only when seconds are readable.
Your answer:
9:01:31
